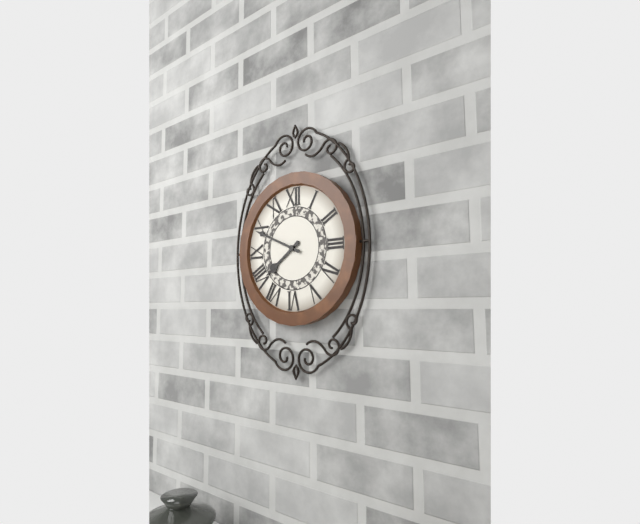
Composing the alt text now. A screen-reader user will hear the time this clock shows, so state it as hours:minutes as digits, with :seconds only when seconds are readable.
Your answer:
7:49
